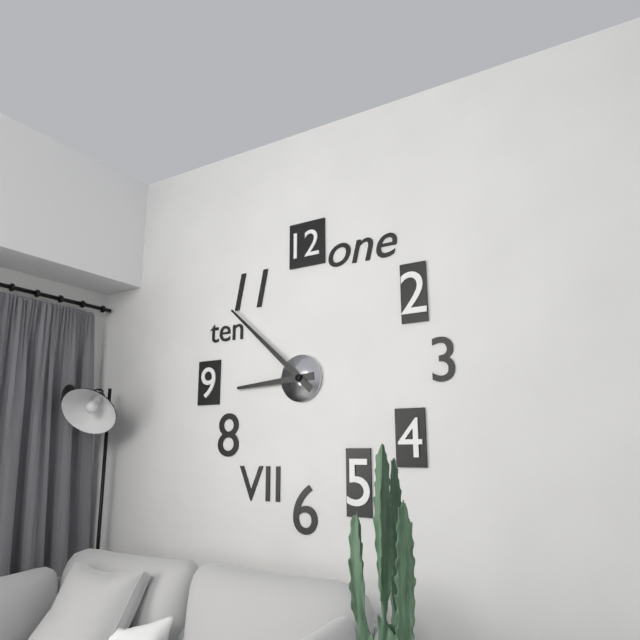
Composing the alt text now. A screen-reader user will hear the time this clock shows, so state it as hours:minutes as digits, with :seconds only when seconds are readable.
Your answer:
8:52
